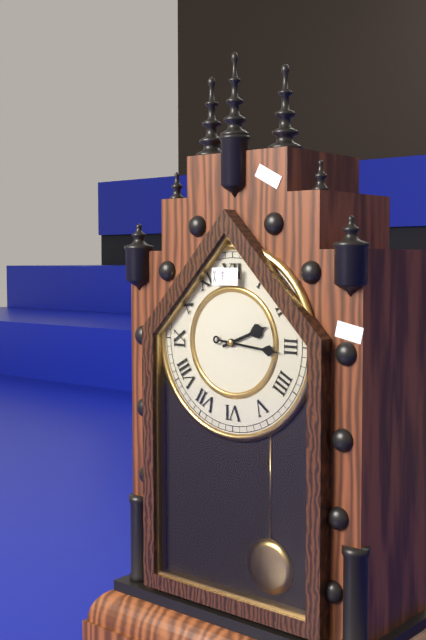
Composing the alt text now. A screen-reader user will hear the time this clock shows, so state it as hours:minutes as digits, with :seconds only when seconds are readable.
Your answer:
2:16
